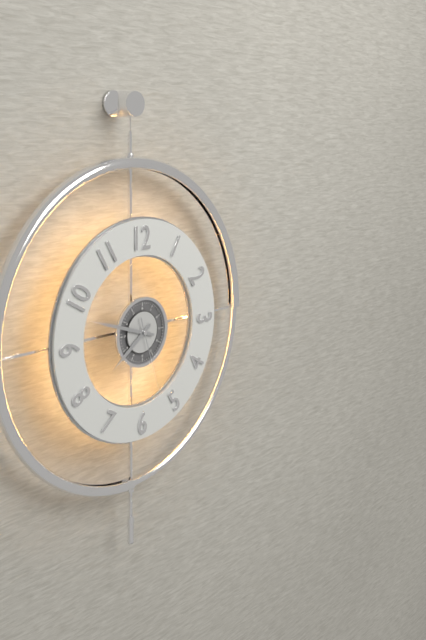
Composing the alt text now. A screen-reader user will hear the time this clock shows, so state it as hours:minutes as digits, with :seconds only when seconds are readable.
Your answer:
7:48:27
